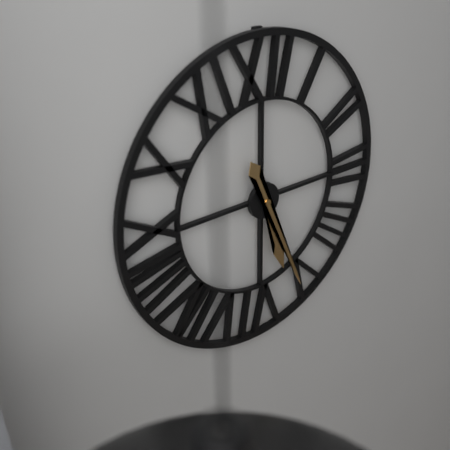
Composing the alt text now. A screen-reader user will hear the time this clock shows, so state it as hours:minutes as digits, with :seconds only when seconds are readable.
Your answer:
5:26
